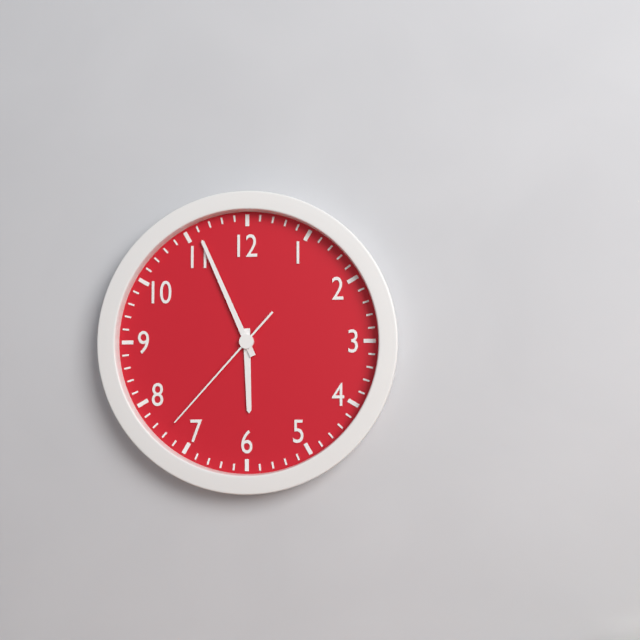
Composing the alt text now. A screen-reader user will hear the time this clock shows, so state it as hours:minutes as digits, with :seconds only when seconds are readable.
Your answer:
5:56:37
